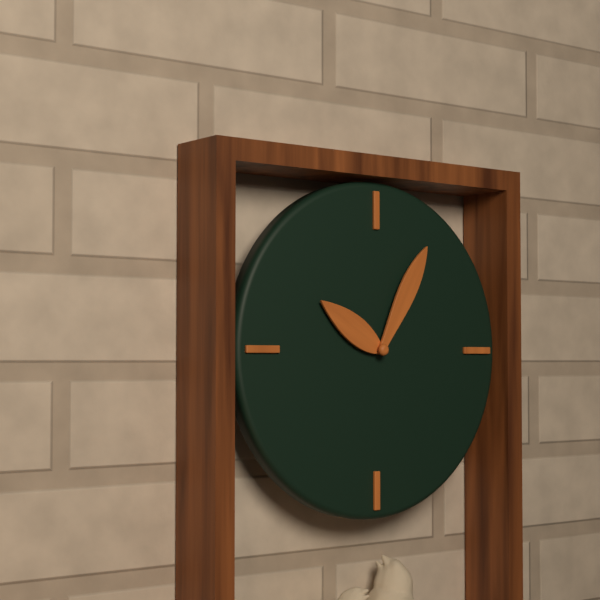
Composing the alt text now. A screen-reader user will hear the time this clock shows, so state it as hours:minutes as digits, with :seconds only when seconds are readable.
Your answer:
10:05
